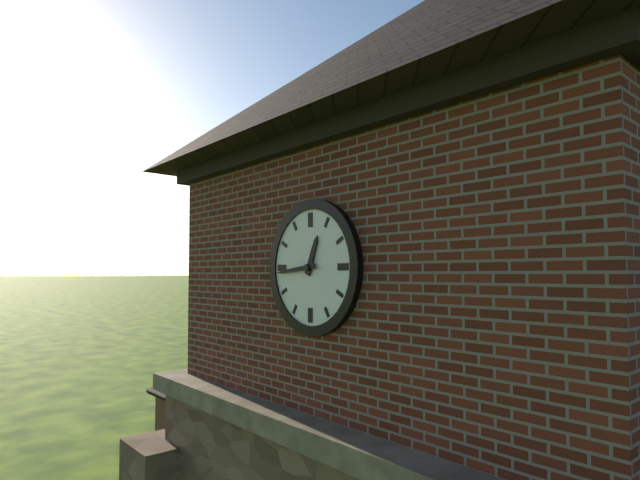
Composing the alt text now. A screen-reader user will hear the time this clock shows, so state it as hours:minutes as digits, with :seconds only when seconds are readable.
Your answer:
12:44
